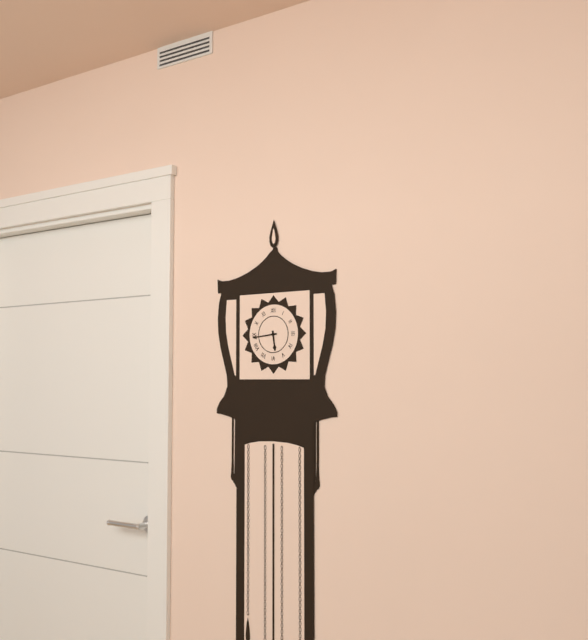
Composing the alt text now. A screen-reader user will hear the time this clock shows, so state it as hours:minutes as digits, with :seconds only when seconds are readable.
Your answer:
5:44
